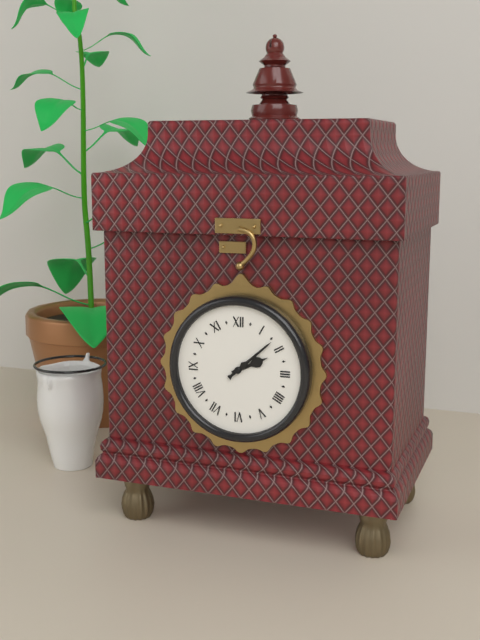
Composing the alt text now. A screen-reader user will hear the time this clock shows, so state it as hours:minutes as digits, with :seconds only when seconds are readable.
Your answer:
2:08
